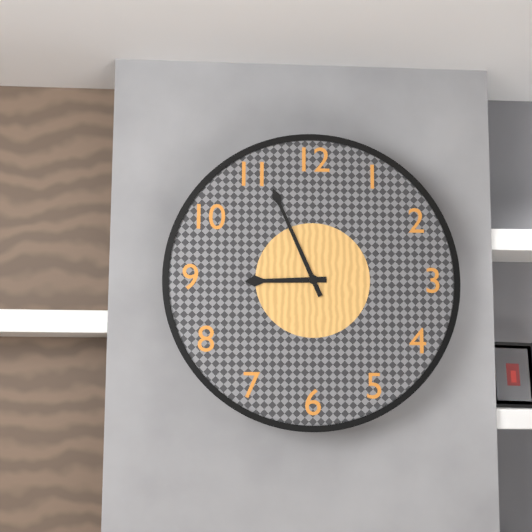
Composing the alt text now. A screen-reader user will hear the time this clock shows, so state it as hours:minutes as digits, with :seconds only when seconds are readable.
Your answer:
8:56
